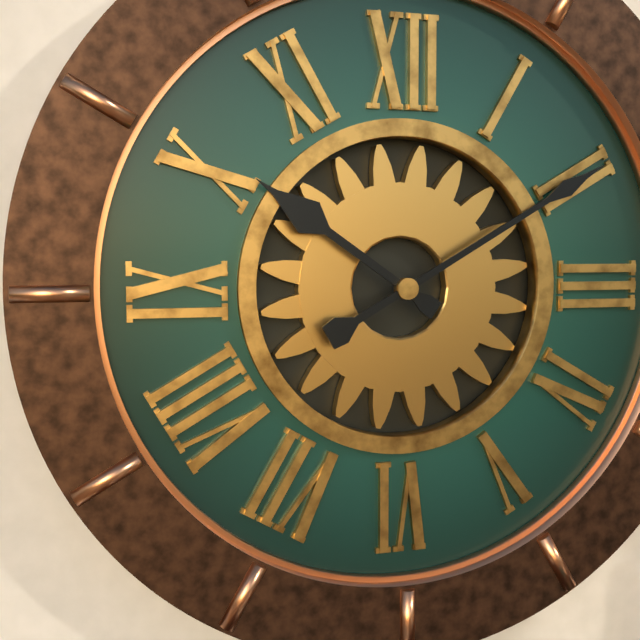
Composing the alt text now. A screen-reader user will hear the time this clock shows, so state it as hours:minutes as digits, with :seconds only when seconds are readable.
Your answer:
10:10
